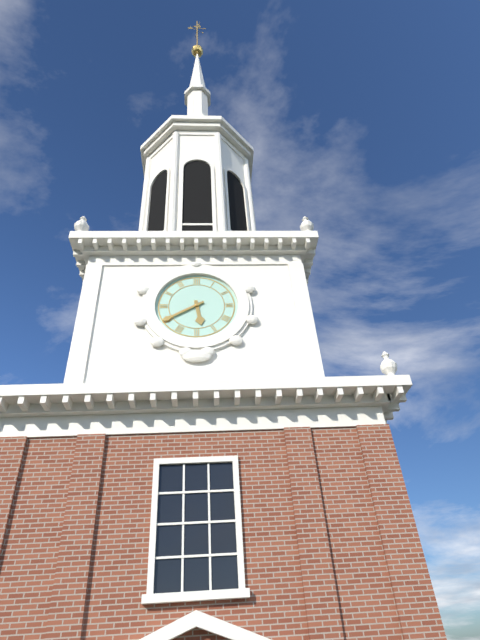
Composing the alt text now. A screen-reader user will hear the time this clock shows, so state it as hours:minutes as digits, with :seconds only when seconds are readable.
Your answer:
5:40
